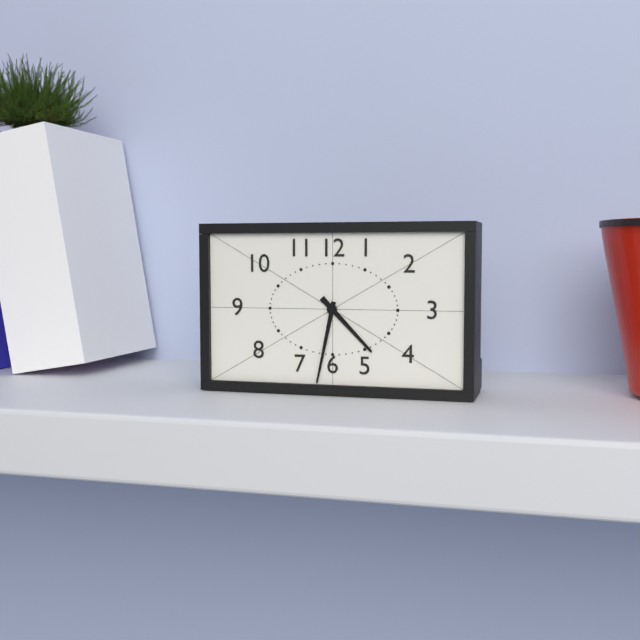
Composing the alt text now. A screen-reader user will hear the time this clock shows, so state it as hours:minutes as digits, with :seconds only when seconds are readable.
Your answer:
4:32
